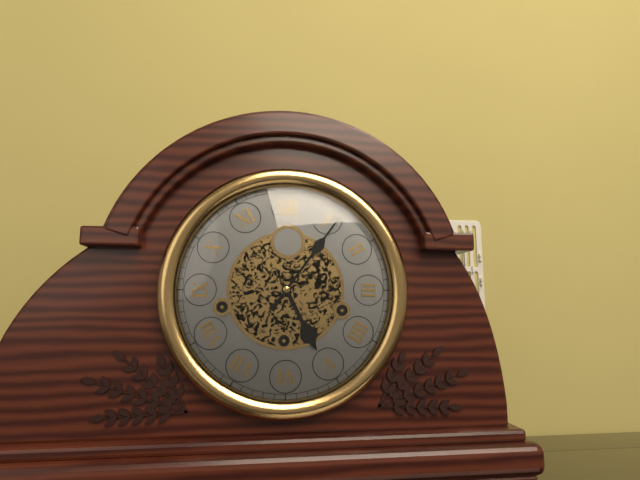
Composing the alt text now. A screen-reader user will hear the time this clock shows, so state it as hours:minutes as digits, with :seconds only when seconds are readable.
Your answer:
5:06
